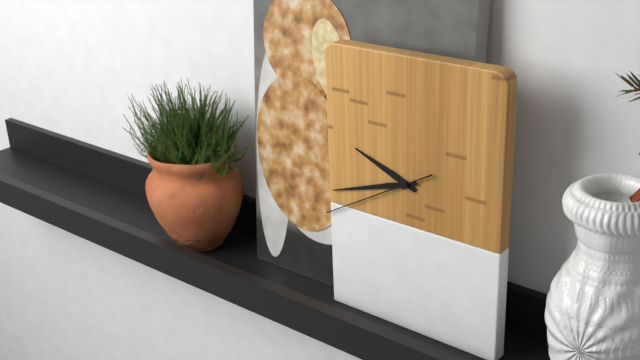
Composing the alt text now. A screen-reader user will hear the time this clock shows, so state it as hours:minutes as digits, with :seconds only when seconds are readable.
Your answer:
9:42:40
